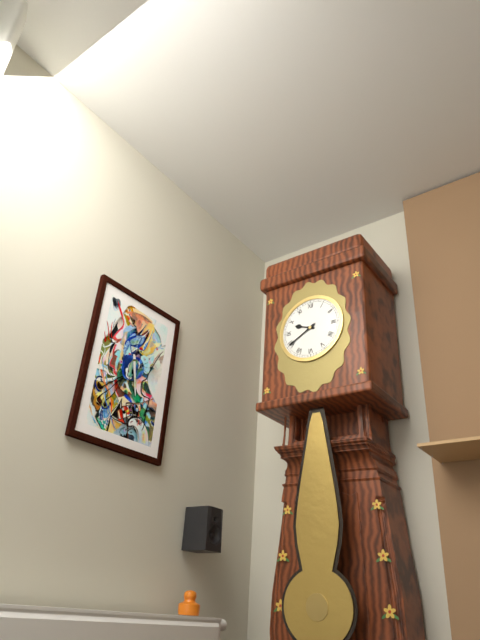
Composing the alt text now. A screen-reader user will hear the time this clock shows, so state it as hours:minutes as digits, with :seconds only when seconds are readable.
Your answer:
9:40
